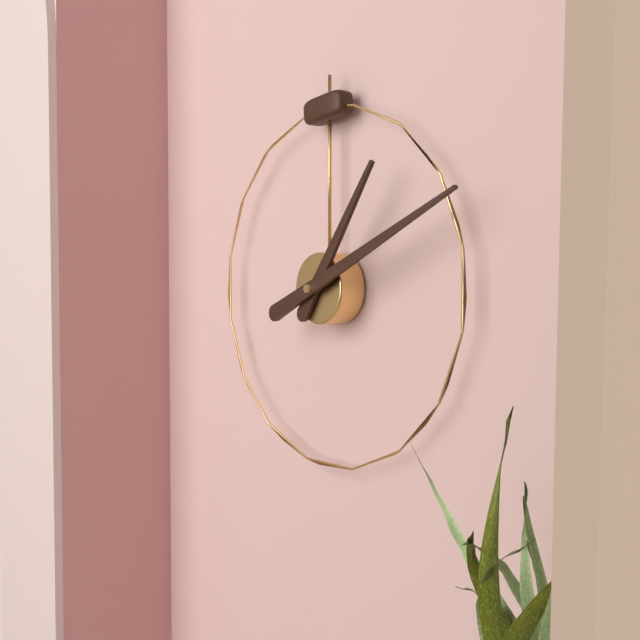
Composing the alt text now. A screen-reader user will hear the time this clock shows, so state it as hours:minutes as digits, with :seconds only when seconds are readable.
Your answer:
1:11
